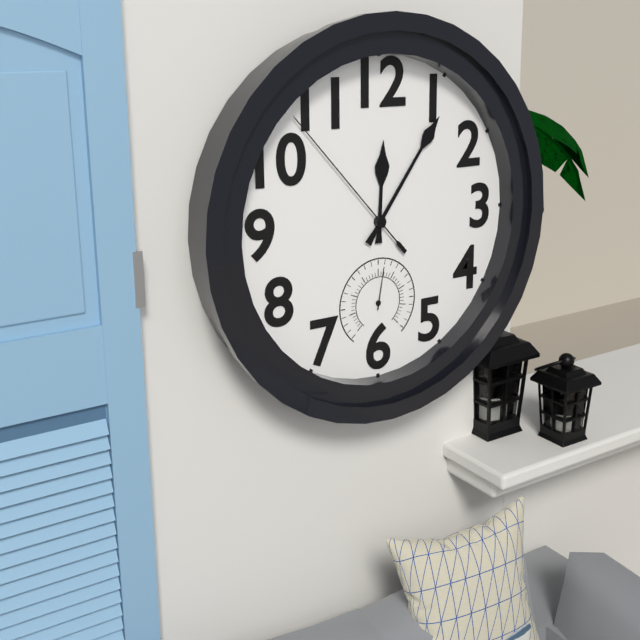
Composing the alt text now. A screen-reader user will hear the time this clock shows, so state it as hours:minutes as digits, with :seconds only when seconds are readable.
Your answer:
12:06:53
